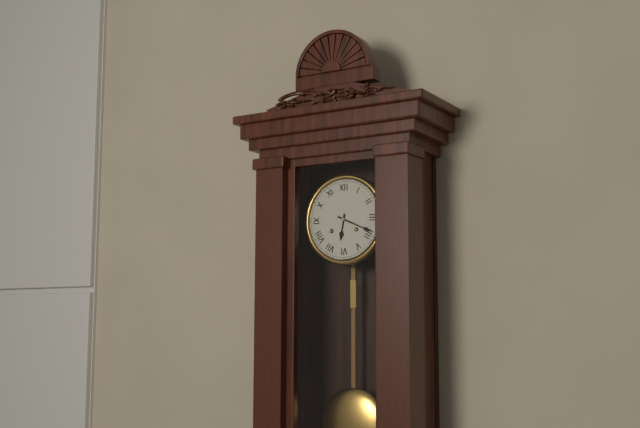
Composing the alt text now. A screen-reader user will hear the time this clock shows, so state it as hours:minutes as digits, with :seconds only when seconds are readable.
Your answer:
6:19
